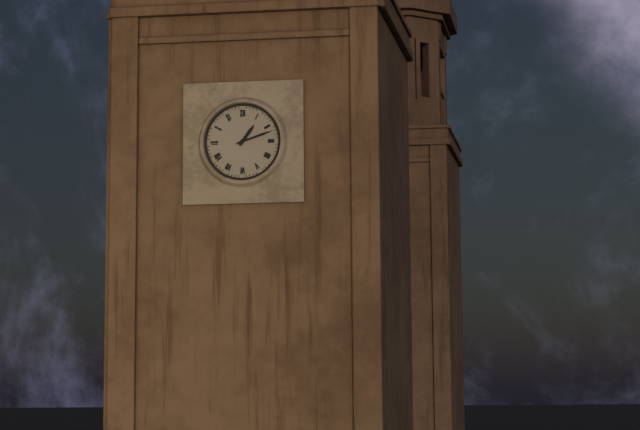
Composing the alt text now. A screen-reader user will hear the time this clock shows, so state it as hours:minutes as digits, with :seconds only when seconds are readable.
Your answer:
1:12
